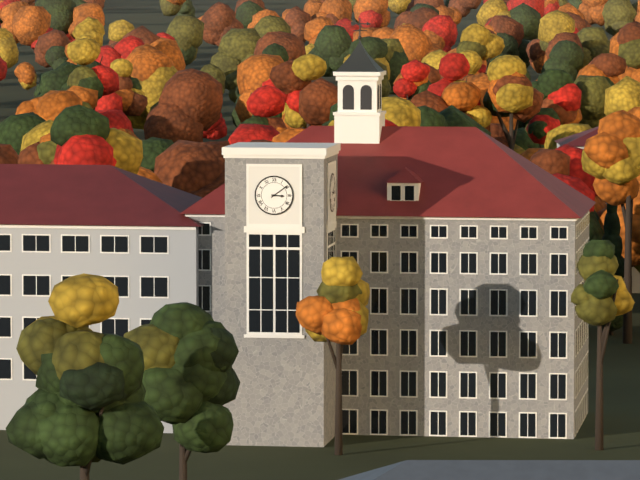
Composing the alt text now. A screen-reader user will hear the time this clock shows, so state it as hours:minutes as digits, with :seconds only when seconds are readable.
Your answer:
3:09
